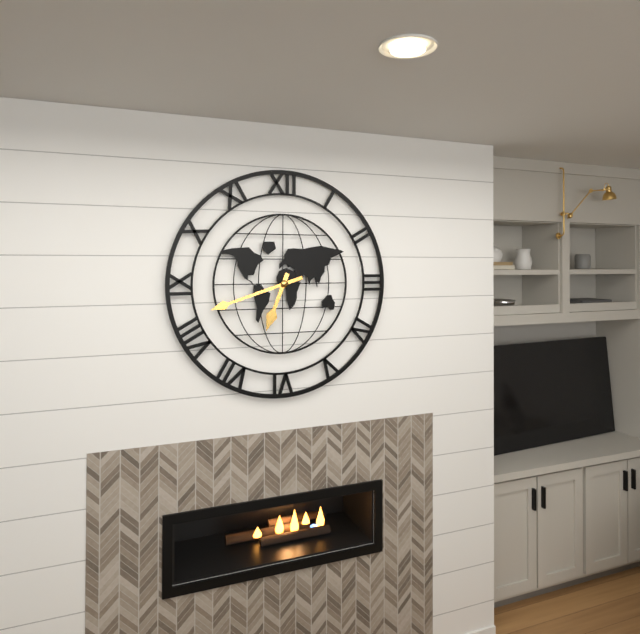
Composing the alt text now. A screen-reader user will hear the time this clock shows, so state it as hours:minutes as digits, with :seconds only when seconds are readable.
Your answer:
6:42
